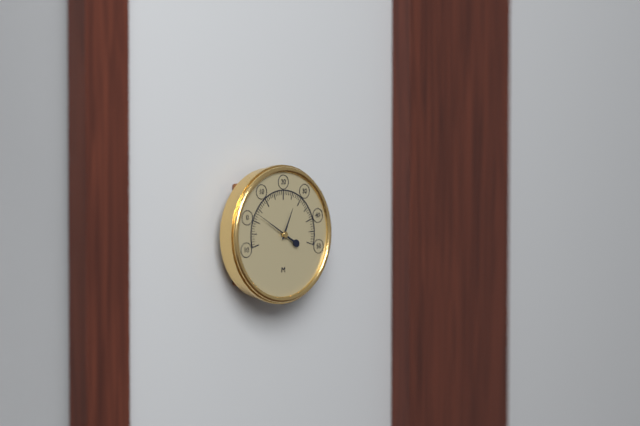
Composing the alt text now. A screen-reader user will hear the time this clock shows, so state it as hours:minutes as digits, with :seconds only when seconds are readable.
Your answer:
12:50
